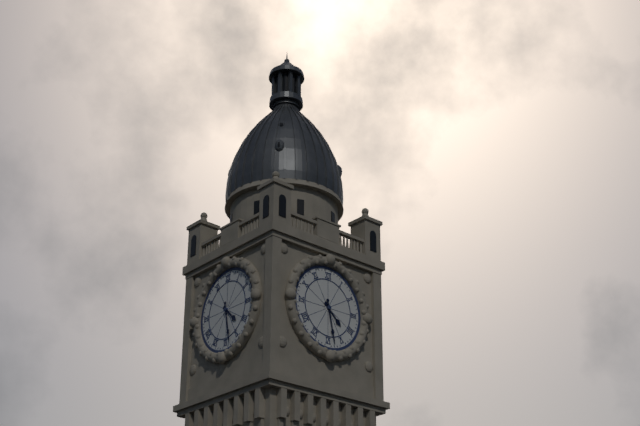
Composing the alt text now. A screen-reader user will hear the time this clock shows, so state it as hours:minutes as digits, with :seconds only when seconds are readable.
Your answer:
4:28
